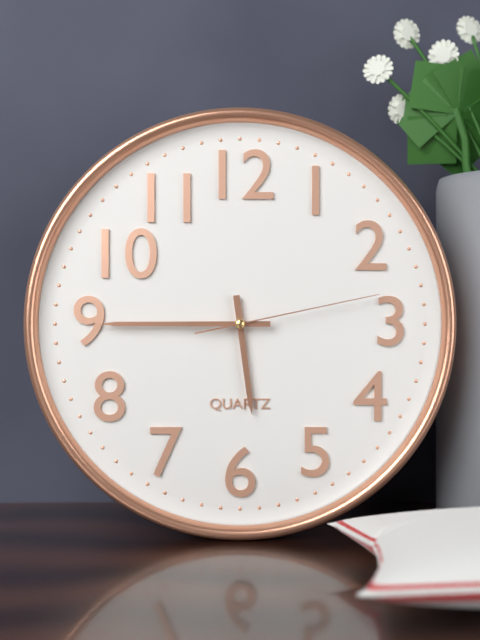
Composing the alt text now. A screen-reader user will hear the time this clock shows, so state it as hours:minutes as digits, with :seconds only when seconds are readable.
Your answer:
5:45:13
